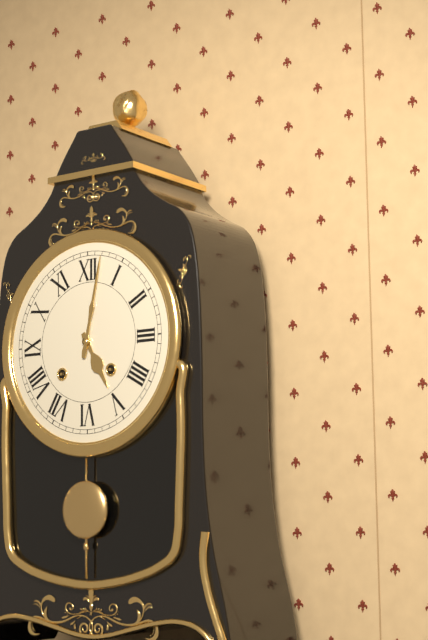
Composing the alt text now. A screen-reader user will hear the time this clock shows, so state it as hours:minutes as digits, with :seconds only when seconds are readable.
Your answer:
5:02
